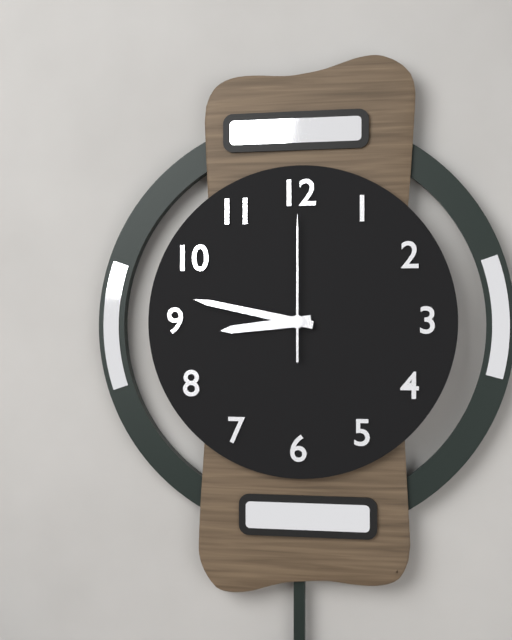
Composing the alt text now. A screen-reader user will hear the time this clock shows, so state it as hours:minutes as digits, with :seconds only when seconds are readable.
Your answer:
8:47:00
